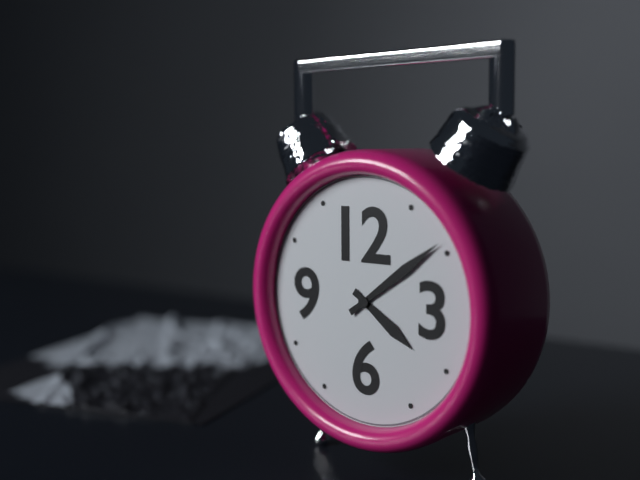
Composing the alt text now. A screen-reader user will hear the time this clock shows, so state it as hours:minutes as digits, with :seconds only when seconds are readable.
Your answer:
4:09
